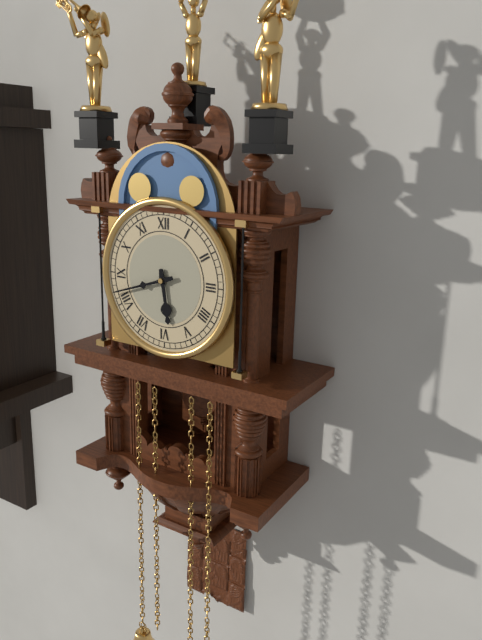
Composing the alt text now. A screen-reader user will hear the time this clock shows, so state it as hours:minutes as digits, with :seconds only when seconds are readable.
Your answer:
5:42
